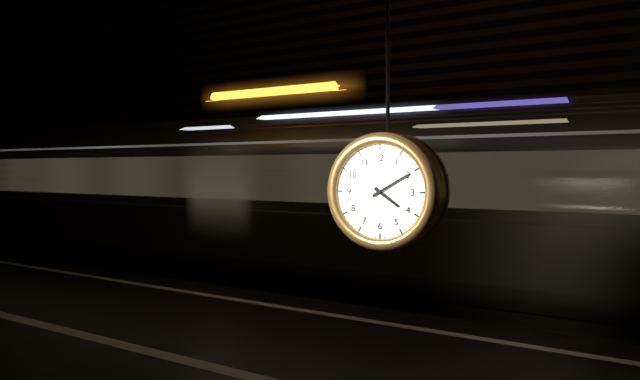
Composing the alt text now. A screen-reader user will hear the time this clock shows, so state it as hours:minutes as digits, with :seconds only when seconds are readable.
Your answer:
4:10
